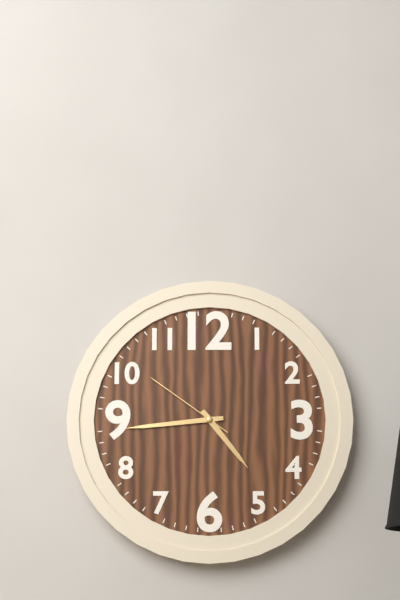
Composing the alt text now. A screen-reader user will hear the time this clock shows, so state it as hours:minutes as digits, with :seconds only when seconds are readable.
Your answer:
4:44:51
